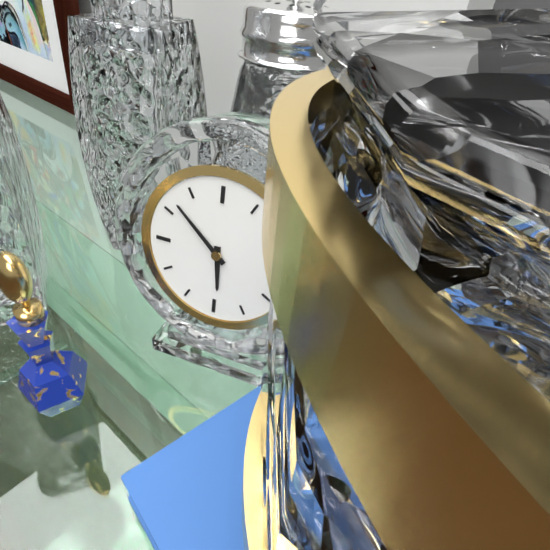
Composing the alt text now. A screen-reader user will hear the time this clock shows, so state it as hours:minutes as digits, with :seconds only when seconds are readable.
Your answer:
5:52
